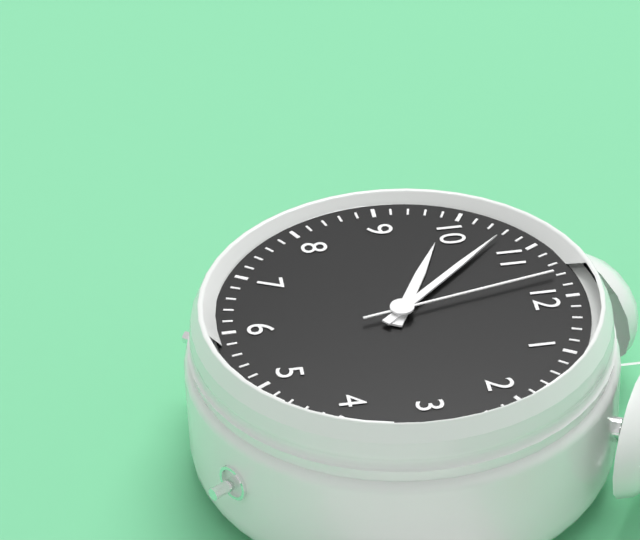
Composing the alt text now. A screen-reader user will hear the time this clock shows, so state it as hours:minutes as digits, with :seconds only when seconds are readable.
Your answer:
9:53:58
